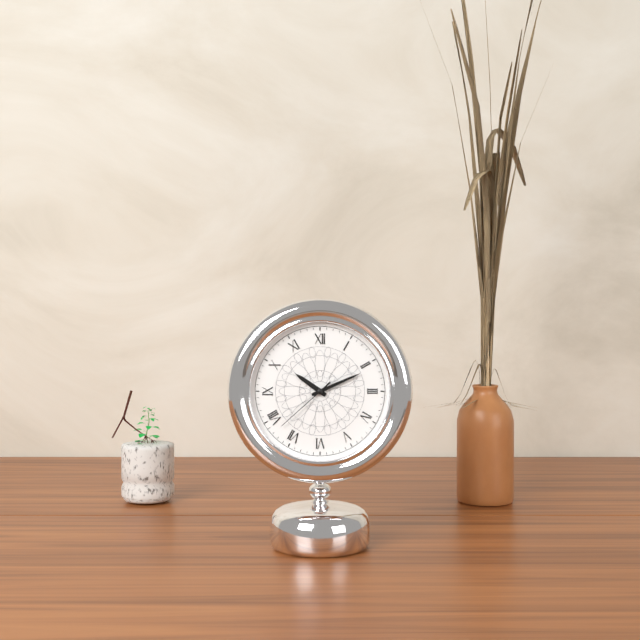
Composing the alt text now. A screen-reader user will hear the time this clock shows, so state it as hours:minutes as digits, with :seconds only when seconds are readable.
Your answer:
10:11:38
